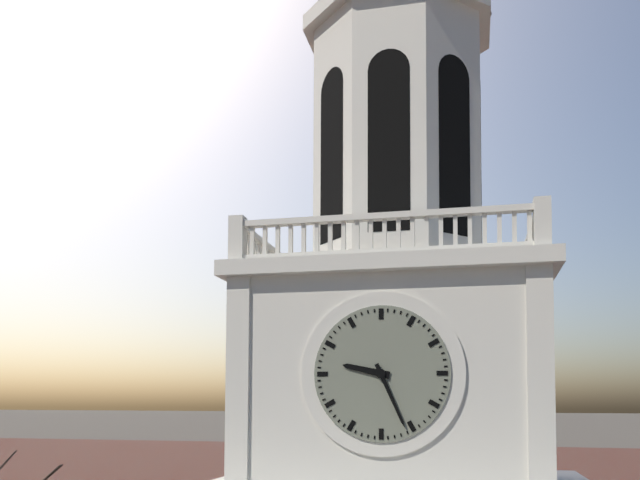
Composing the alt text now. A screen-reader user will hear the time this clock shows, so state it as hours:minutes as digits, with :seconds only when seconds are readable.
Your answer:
9:26
